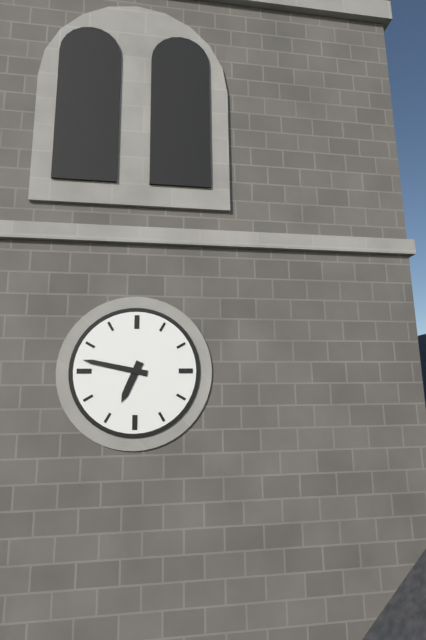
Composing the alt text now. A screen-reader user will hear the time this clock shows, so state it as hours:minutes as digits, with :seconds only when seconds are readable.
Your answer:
6:47
